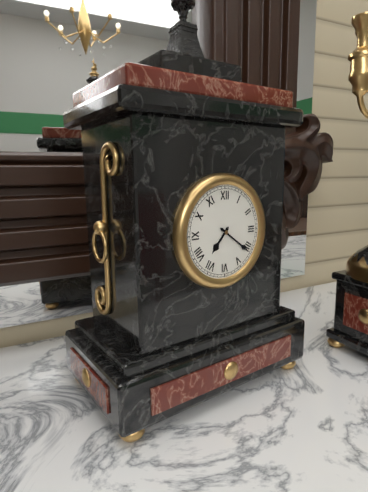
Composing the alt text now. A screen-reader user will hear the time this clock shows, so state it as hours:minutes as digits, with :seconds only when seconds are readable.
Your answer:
7:21
